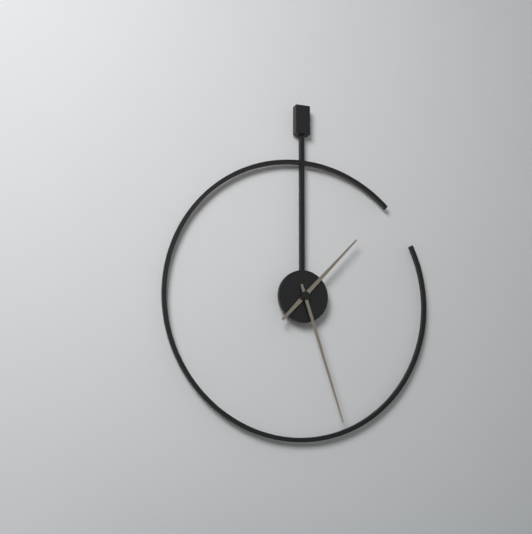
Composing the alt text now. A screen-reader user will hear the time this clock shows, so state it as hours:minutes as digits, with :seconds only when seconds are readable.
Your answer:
1:27
